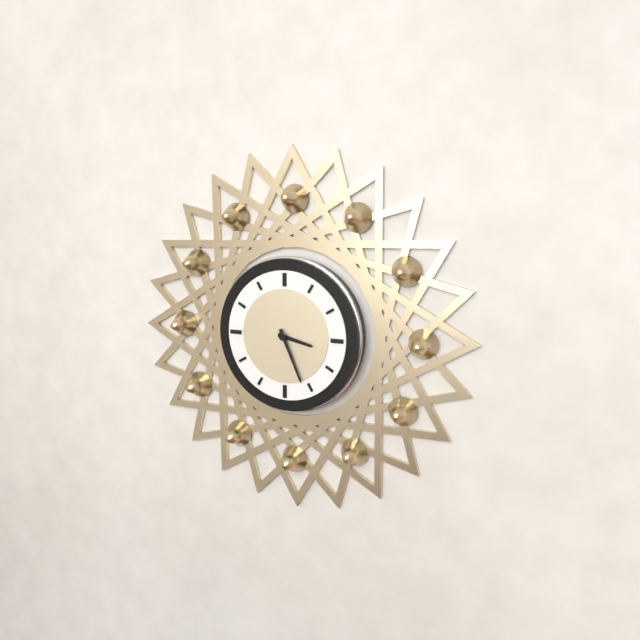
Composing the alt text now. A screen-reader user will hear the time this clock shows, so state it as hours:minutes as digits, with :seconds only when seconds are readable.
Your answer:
3:26
